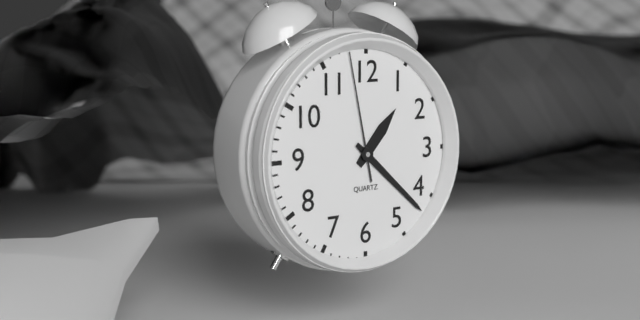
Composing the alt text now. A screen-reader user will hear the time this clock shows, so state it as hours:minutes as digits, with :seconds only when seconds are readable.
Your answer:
1:22:58
